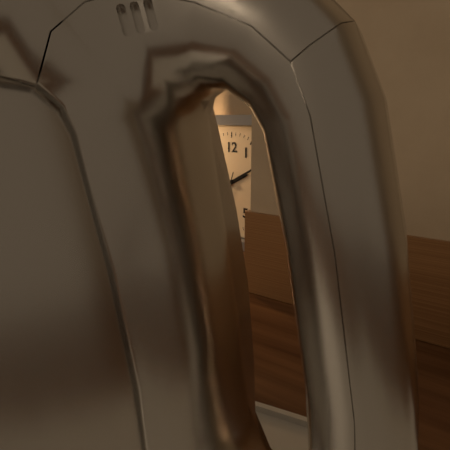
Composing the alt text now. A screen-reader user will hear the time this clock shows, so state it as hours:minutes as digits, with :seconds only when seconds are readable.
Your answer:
2:10
